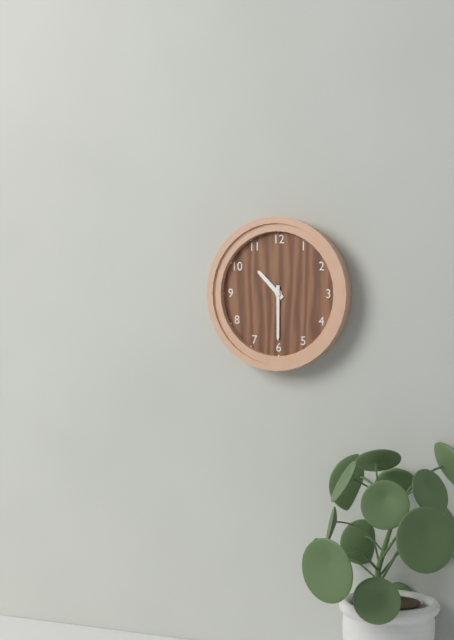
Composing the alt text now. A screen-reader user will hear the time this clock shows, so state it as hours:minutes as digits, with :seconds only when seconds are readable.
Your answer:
10:30
